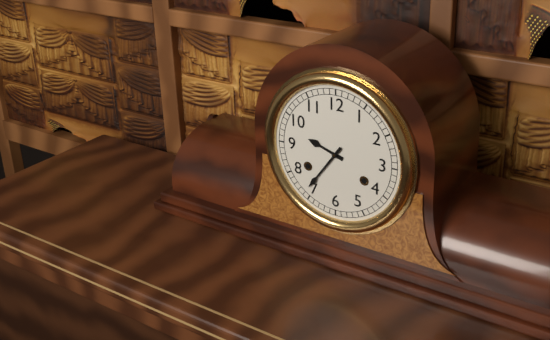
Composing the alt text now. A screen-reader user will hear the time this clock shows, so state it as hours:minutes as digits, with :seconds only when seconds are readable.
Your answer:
9:36
